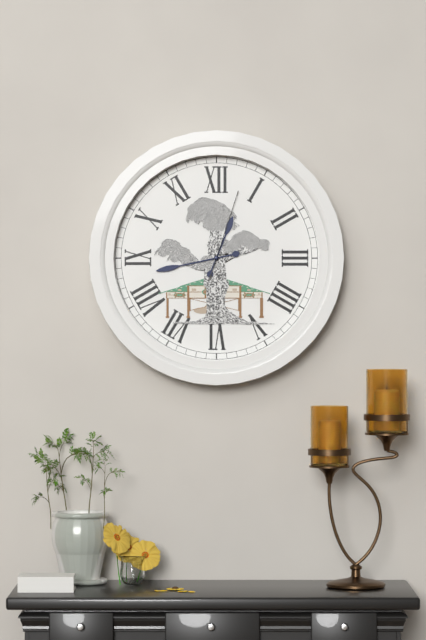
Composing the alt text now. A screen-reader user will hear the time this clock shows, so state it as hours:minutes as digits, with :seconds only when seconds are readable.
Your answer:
12:43:03
